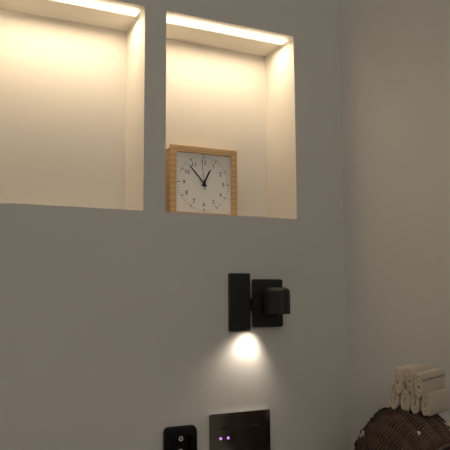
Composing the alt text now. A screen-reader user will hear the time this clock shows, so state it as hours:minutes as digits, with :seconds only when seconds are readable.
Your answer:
12:53
